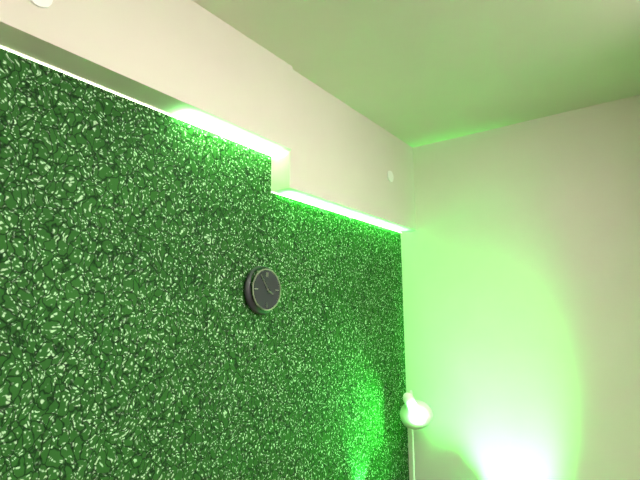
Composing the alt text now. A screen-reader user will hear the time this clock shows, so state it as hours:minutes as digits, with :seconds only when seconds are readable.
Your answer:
3:54
